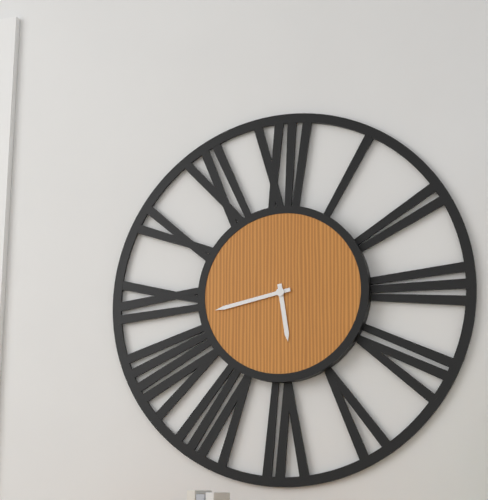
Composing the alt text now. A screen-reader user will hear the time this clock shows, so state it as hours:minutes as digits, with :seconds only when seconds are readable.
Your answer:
5:43
